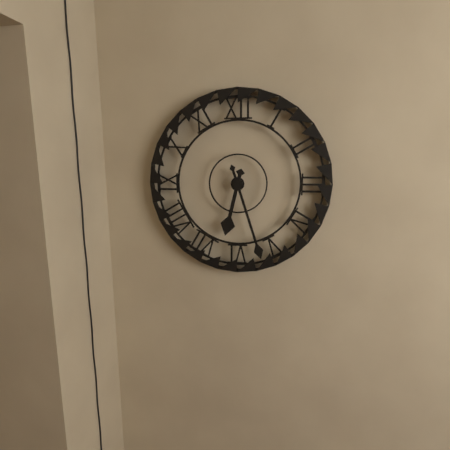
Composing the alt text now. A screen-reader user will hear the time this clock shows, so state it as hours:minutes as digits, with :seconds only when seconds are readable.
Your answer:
6:27
